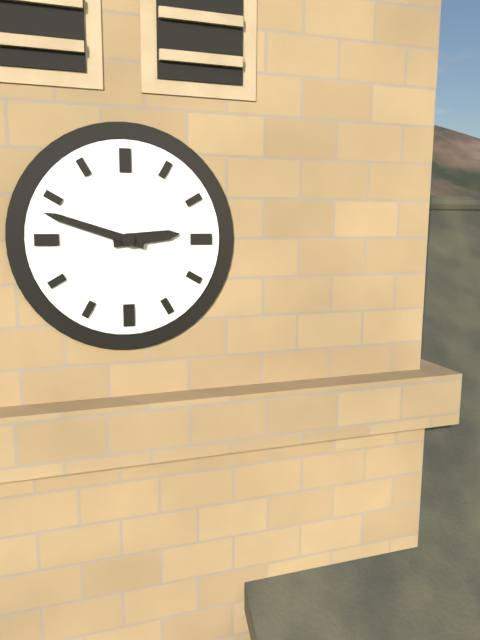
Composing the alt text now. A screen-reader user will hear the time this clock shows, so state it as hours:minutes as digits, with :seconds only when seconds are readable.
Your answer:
2:48
